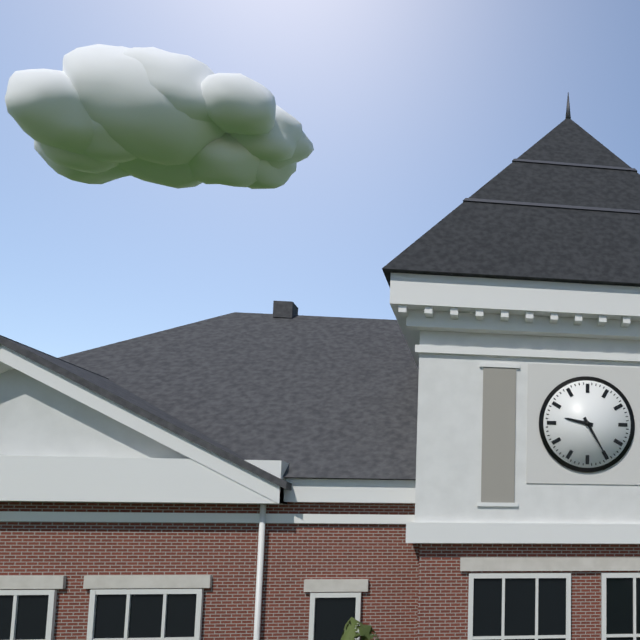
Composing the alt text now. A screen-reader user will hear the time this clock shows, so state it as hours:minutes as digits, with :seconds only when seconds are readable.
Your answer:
9:25
